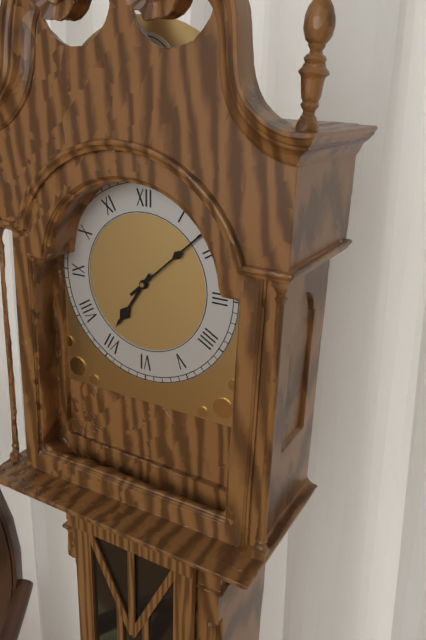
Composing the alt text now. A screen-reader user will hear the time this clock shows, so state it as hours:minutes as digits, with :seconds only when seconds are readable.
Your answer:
7:08
